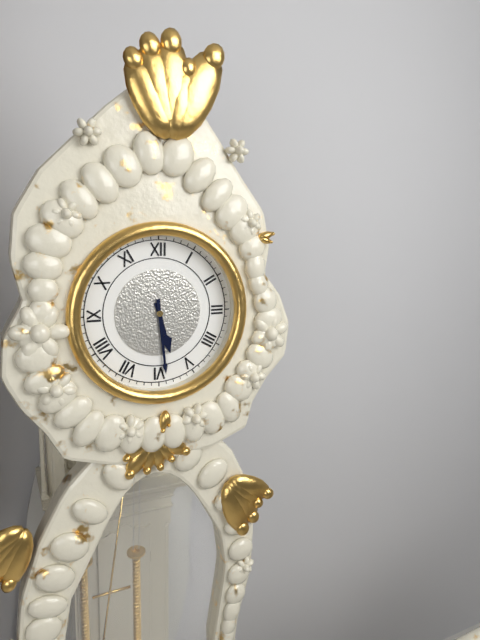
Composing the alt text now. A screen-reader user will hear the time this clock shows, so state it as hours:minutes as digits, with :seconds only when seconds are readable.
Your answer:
5:29
